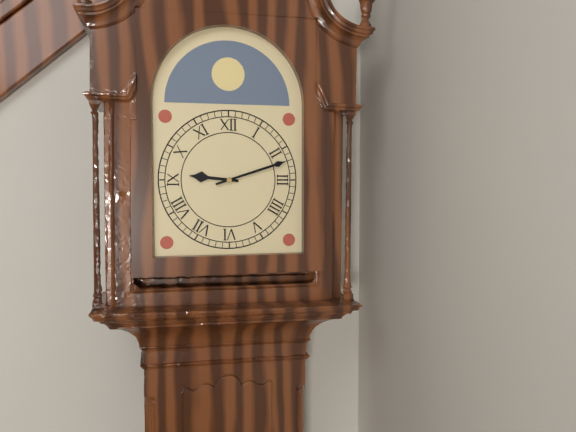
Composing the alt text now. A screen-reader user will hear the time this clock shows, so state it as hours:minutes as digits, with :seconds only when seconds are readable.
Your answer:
9:12
